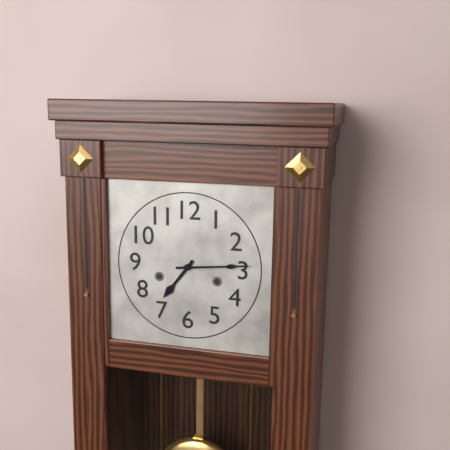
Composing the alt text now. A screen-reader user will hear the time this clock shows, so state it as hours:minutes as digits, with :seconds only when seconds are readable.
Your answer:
7:14
